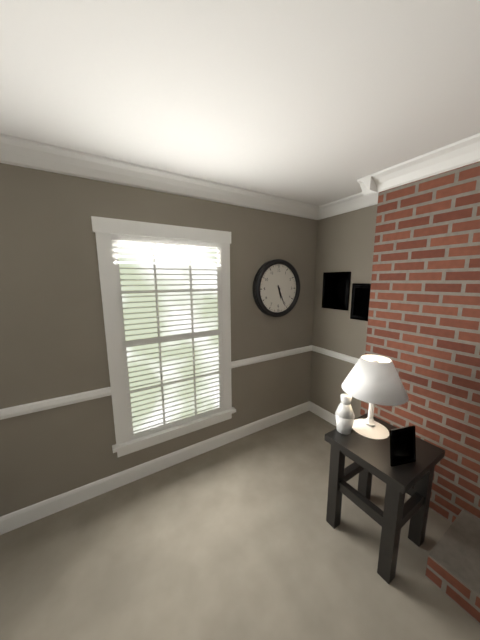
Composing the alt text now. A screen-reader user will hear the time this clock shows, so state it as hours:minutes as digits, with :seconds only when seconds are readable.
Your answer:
5:26
